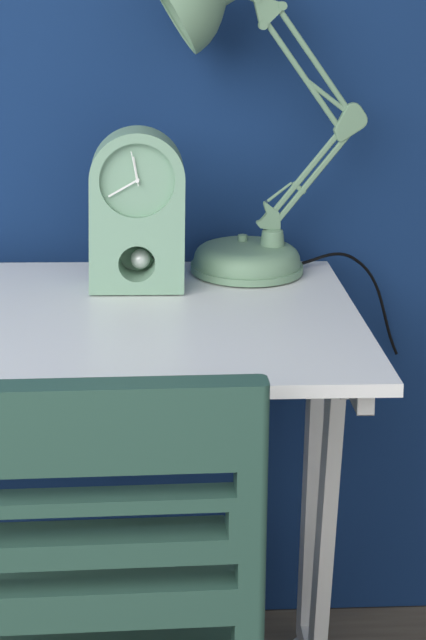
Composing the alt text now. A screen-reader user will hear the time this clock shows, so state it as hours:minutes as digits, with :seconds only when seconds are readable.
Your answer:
11:40
